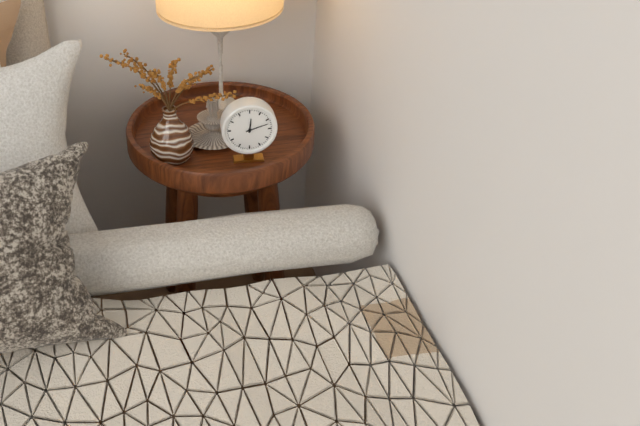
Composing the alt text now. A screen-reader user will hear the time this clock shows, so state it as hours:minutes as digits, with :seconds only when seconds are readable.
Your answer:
12:12
